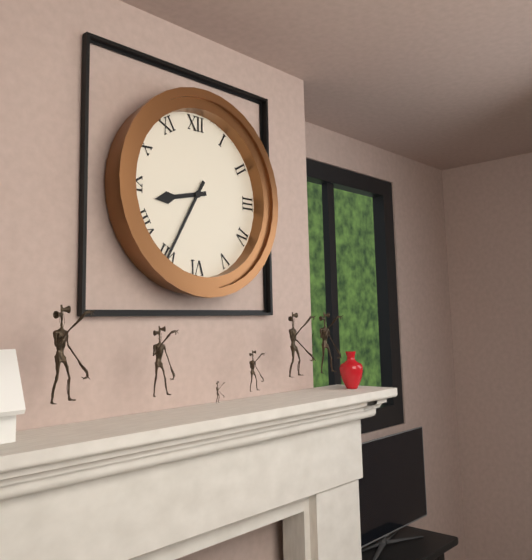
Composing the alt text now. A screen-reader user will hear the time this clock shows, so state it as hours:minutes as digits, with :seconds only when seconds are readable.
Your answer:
8:35
